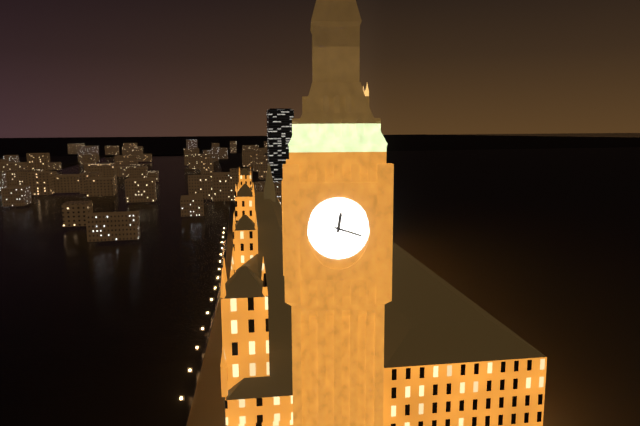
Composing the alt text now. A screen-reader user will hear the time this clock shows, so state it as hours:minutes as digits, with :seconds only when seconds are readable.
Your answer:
12:18
